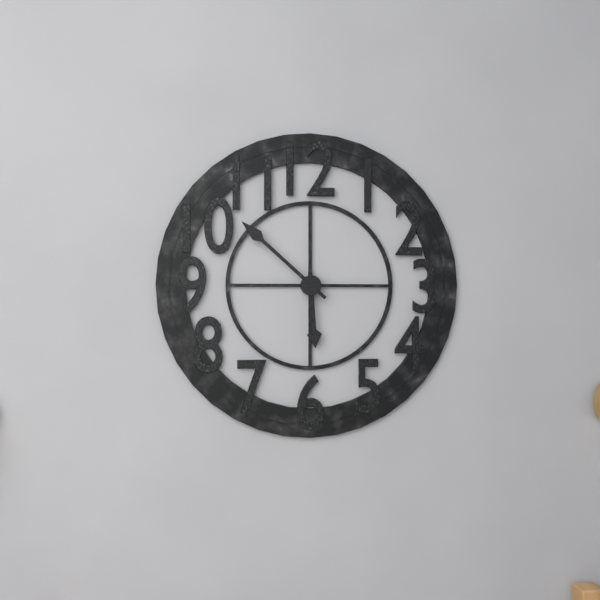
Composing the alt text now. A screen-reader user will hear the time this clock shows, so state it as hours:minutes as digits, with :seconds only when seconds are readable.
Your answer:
5:52
